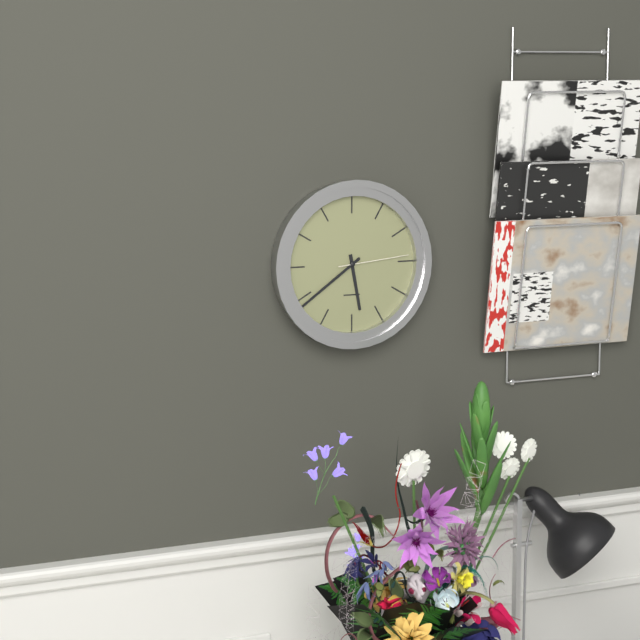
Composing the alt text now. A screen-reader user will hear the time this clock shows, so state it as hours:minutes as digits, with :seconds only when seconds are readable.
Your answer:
5:39:14
